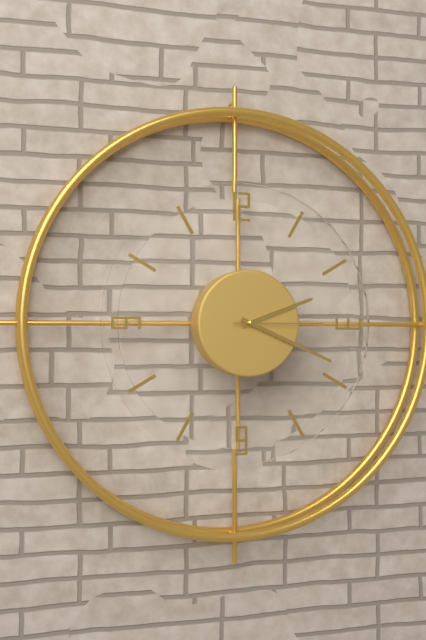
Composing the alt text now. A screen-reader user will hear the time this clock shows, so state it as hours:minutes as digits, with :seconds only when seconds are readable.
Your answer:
2:19:15
